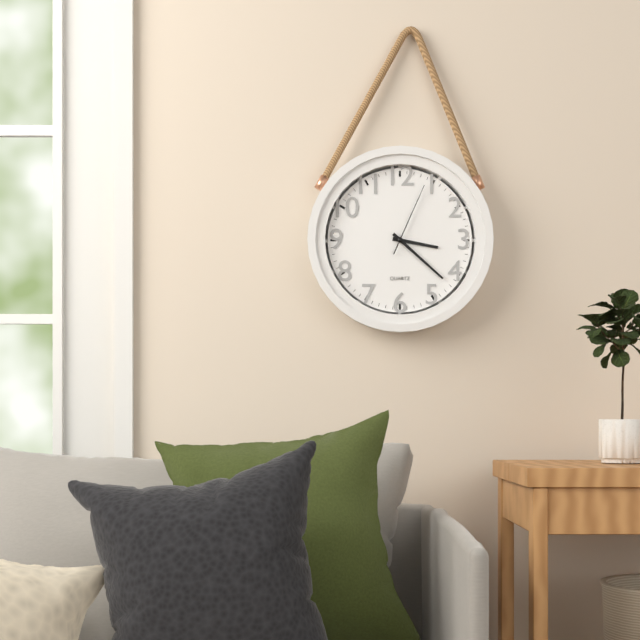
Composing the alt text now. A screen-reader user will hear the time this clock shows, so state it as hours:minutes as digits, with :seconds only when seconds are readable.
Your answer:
3:22:04
